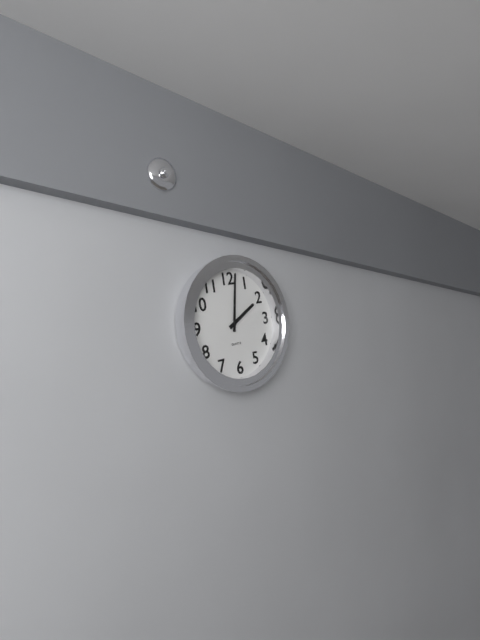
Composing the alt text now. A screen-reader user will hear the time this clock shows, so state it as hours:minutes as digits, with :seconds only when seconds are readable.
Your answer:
2:02
